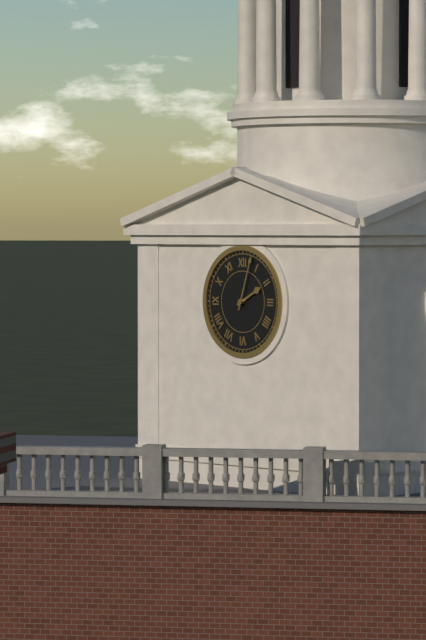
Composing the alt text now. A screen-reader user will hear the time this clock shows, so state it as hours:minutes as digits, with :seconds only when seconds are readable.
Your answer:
2:03
